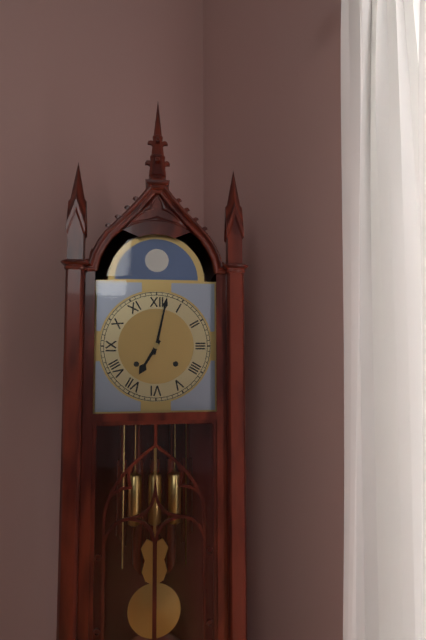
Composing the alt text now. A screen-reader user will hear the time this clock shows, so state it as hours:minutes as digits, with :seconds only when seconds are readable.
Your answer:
7:02
